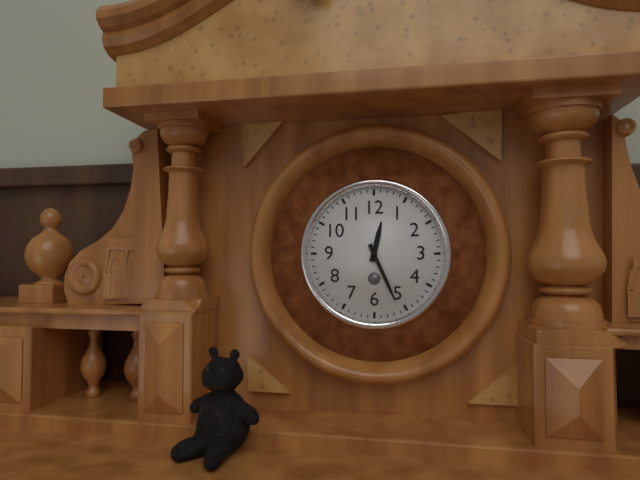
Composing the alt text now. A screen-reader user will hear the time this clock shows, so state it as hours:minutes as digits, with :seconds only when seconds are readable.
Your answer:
12:26
